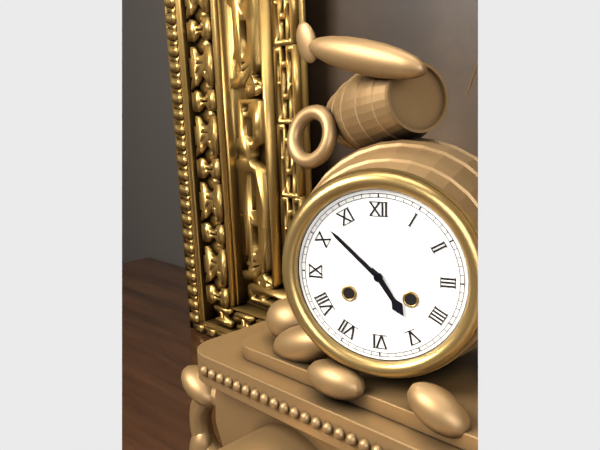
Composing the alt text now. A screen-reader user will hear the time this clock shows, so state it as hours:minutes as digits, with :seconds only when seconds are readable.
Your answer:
4:52
